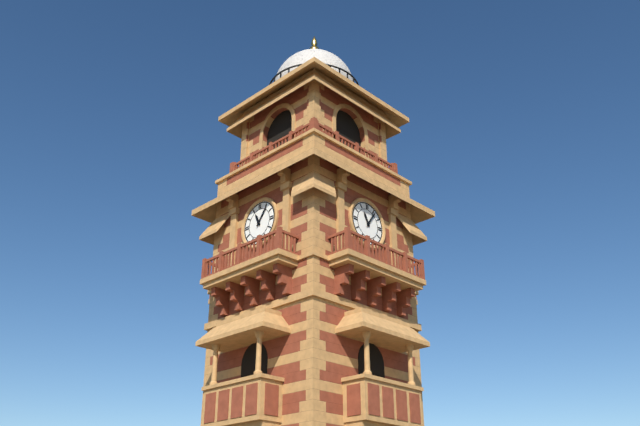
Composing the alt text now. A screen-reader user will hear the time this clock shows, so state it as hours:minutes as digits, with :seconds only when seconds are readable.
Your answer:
11:06
